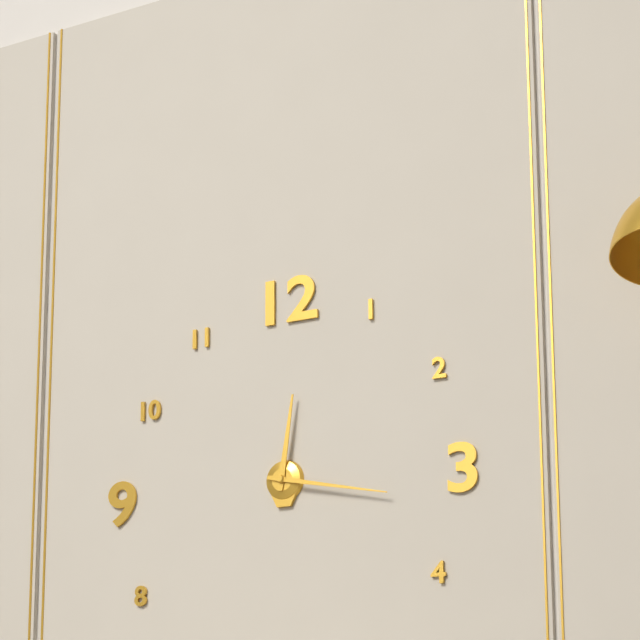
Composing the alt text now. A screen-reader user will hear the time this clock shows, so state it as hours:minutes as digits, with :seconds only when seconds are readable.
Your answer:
12:17
